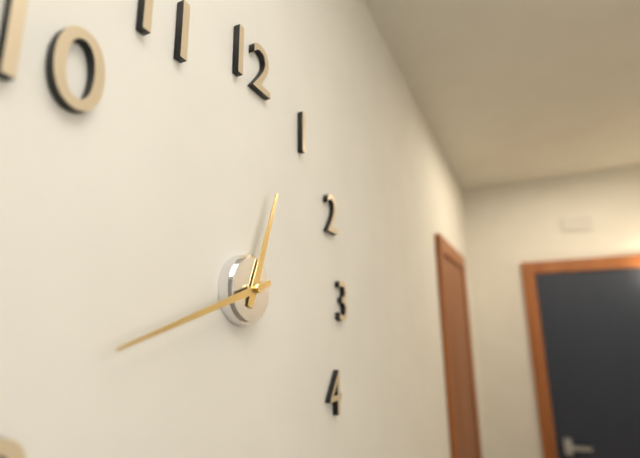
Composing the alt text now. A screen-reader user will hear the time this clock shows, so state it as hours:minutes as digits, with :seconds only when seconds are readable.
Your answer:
12:42
